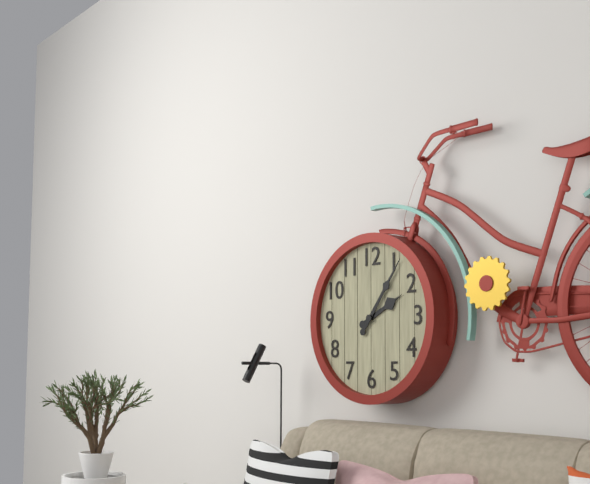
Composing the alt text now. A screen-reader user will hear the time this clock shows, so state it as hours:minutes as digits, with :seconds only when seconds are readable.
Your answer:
2:06
